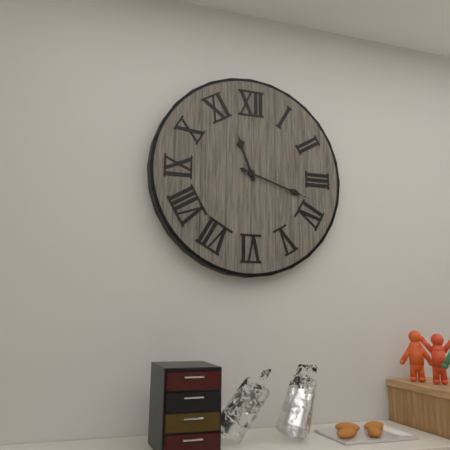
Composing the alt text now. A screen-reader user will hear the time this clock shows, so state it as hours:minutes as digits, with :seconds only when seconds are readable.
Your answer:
11:18
